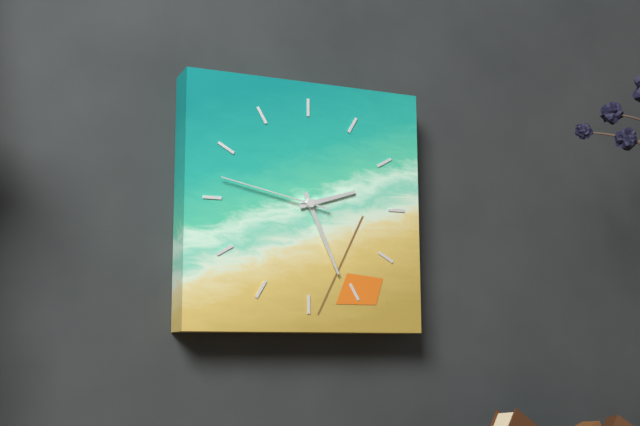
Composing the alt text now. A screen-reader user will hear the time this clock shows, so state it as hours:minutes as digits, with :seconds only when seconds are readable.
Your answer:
2:26:47
